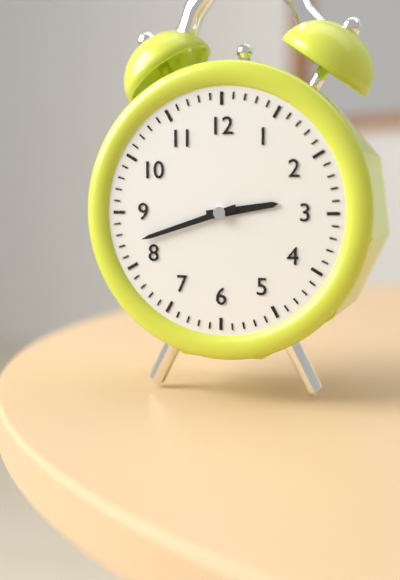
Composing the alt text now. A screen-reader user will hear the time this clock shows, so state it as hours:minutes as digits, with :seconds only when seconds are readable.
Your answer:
2:42
